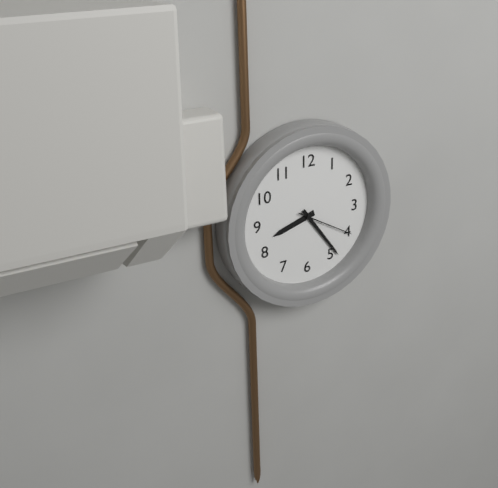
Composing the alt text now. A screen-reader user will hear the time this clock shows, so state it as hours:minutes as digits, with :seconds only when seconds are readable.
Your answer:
8:24:20
